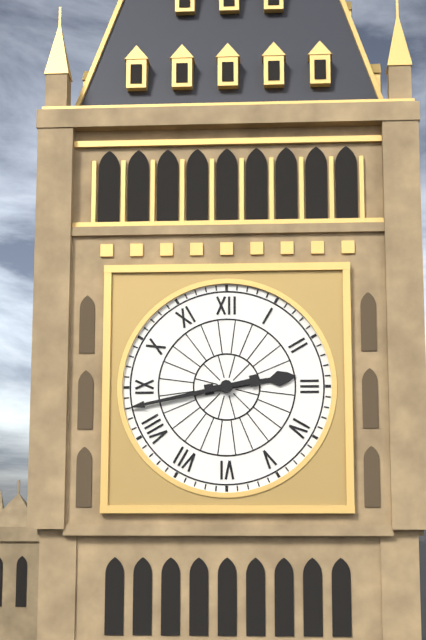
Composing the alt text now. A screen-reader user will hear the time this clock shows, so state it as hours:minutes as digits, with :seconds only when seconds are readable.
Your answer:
2:43
